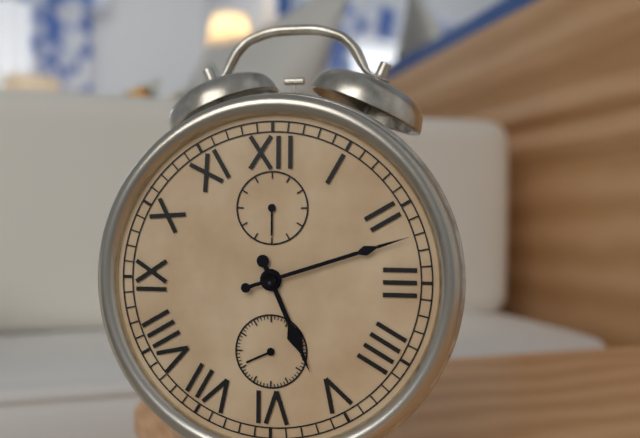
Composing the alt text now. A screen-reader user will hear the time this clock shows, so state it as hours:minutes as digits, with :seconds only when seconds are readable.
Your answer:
5:12
